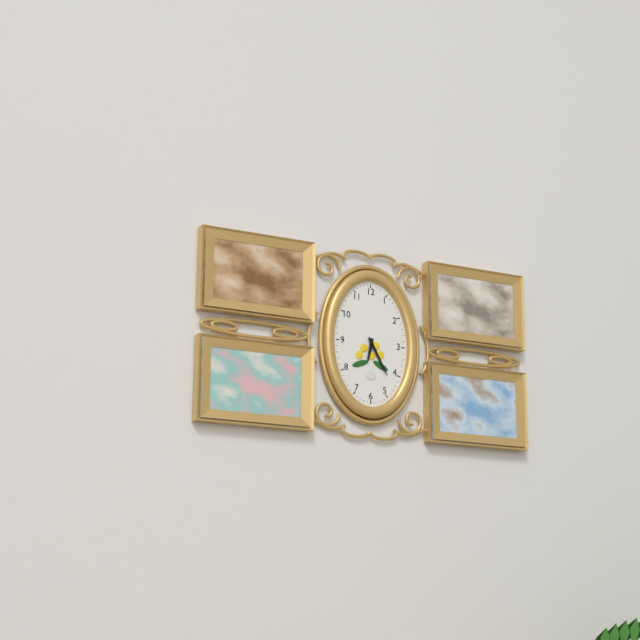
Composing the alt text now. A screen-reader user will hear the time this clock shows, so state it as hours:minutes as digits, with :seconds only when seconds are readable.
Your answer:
6:25
